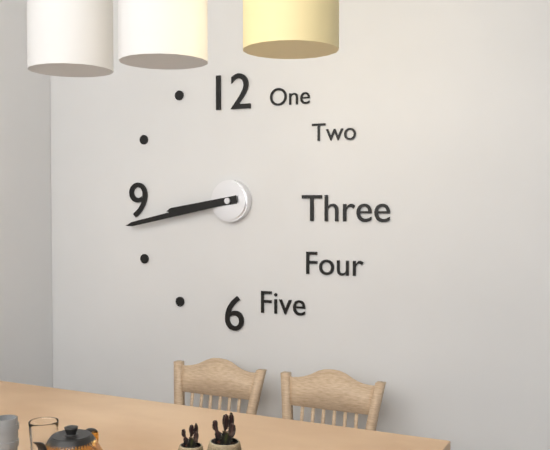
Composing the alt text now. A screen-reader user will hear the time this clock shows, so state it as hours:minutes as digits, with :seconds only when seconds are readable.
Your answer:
8:43
